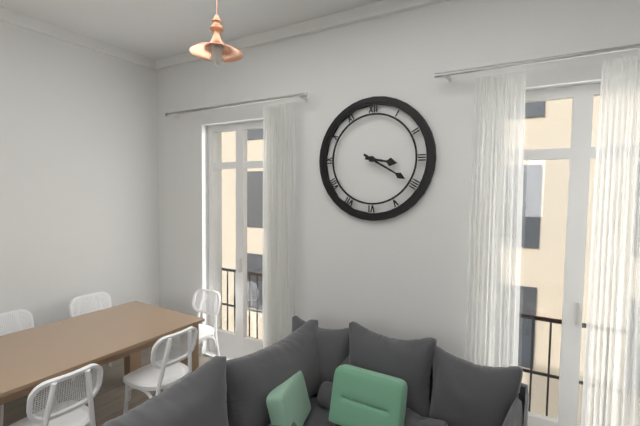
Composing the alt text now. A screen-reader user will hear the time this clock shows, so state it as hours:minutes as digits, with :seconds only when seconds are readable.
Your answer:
3:20
